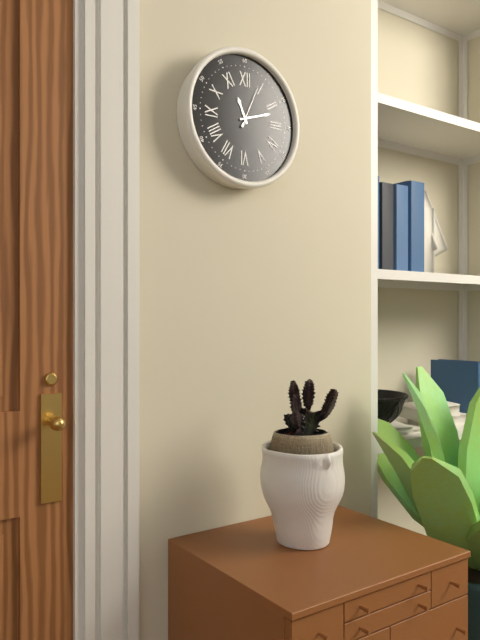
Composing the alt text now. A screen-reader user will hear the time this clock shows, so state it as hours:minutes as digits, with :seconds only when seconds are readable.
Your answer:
11:12
